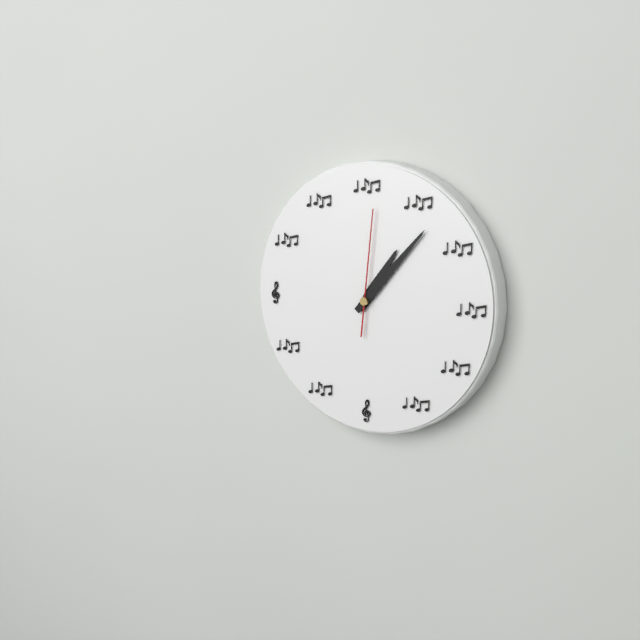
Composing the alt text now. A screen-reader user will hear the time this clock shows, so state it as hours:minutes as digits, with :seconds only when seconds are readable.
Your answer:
1:07:01
